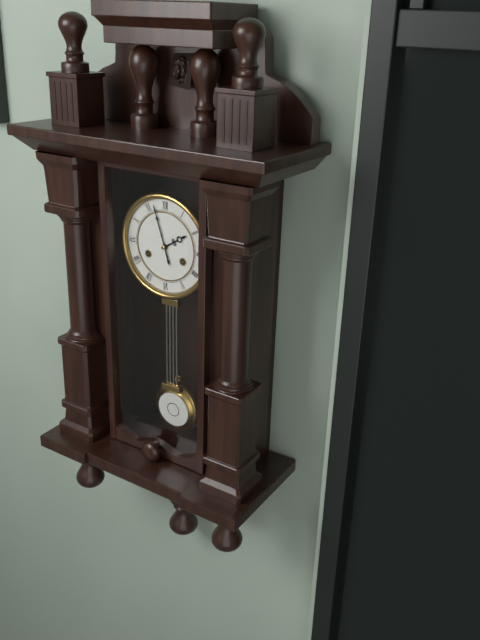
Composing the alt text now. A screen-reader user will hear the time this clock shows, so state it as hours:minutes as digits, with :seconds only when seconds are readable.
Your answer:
1:57
